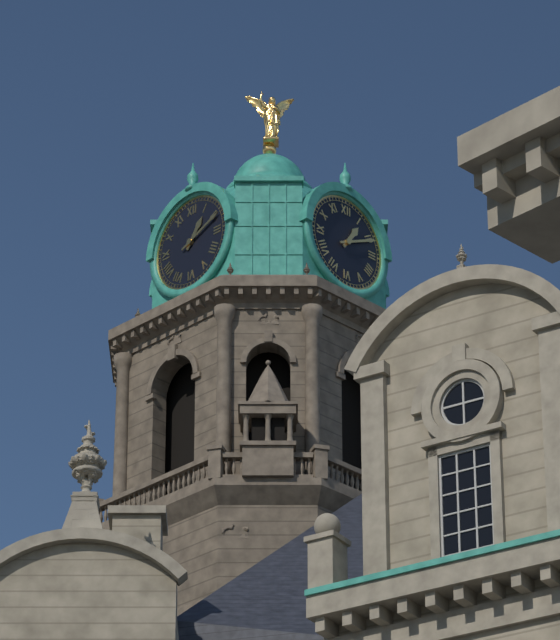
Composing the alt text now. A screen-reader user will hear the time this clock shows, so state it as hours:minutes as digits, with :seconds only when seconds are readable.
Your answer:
1:11
